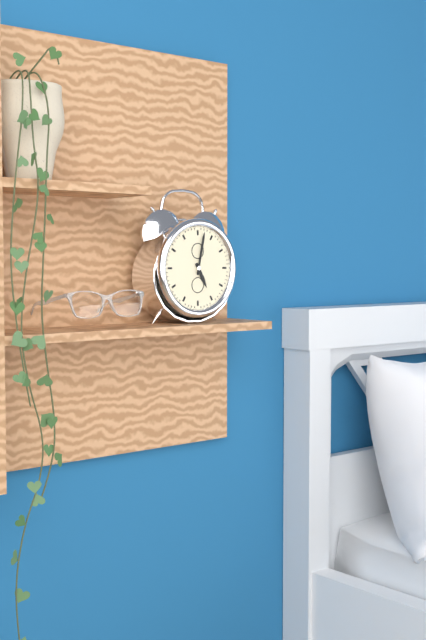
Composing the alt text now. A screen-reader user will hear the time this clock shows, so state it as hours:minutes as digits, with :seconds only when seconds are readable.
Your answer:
5:02
